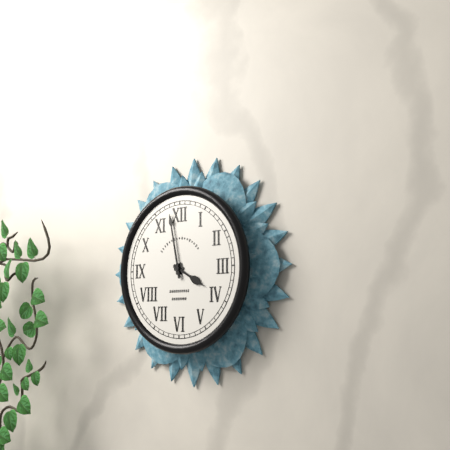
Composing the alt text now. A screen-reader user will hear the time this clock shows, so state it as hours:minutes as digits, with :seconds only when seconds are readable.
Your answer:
3:58
